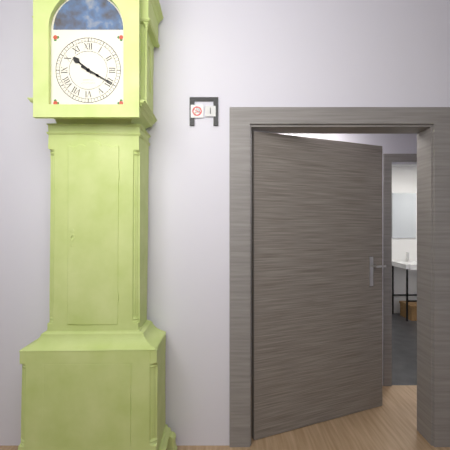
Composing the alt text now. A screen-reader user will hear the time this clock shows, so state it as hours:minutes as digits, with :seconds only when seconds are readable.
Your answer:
10:20
